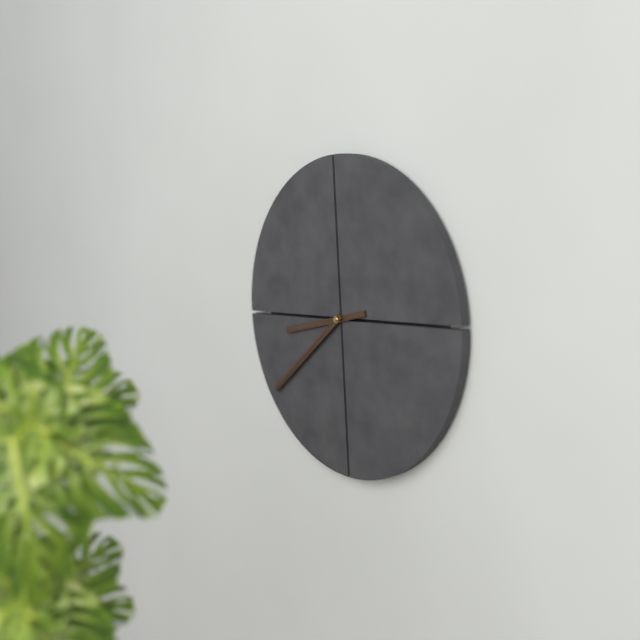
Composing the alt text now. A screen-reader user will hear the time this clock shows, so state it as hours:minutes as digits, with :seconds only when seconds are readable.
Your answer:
8:39
